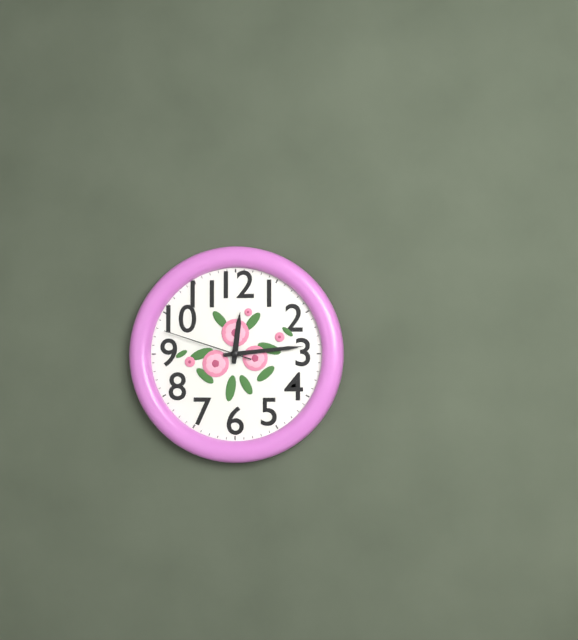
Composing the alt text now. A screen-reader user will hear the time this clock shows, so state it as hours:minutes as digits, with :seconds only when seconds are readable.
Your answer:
12:14:48
